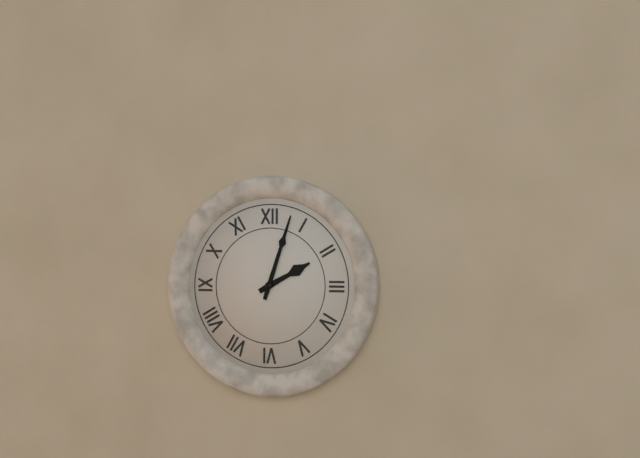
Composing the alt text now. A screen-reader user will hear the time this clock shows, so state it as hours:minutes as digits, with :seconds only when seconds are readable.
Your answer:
2:03
